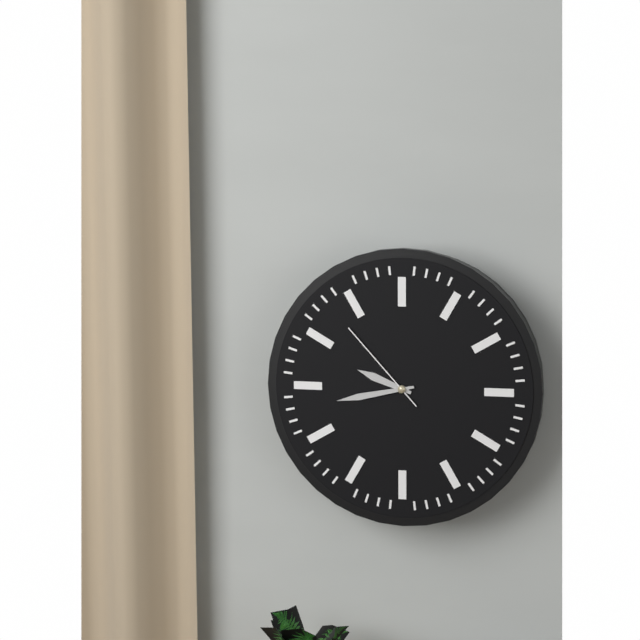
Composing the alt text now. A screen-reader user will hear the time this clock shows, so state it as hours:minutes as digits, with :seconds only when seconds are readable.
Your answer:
9:43:53
